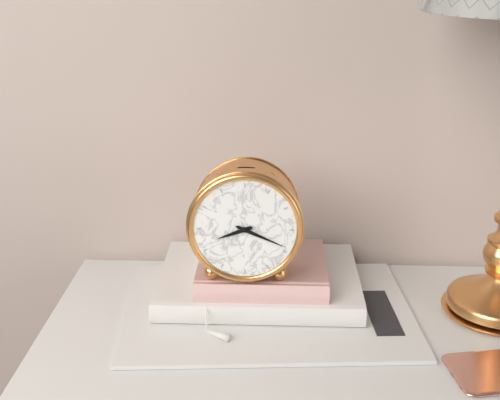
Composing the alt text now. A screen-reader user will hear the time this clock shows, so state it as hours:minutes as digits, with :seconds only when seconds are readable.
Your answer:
8:19
